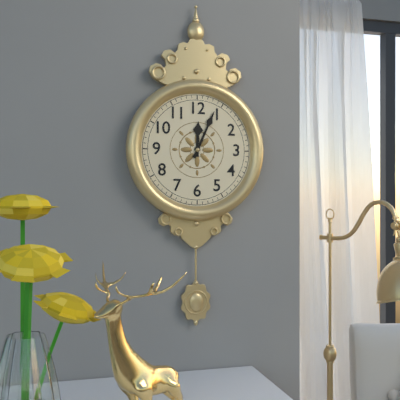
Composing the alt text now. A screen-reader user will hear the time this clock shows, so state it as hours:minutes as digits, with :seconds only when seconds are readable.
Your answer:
12:04
